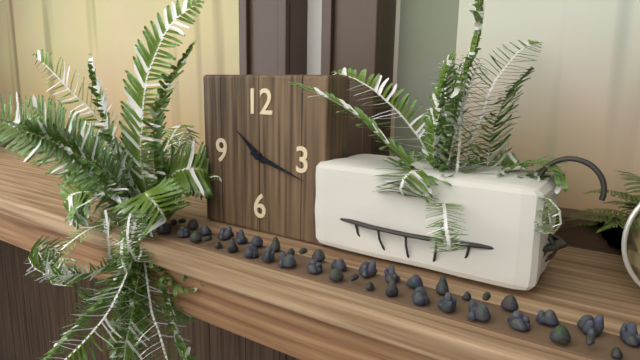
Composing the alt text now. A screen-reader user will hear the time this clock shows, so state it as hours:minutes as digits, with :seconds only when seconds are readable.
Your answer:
10:18
